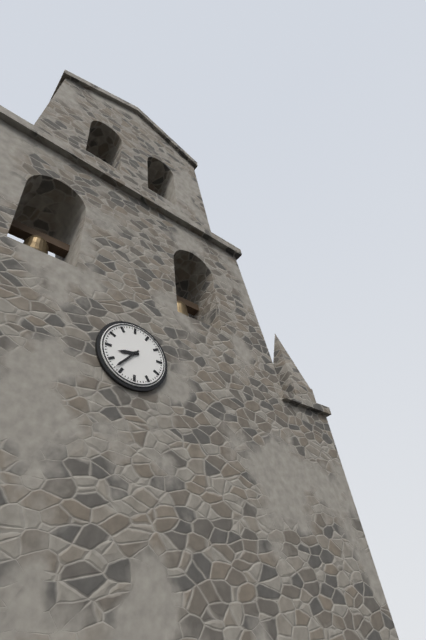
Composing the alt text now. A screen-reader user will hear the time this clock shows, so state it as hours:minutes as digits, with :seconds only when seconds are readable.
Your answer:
8:37
